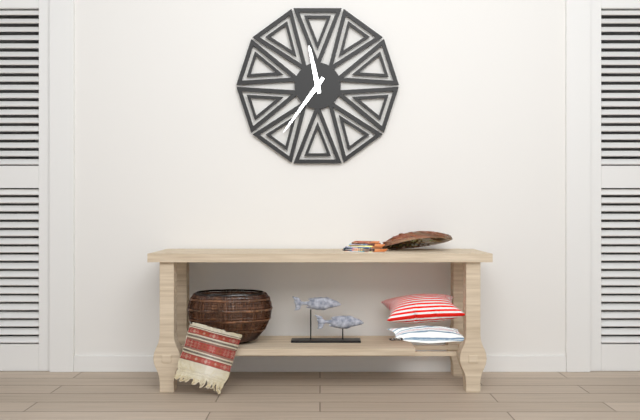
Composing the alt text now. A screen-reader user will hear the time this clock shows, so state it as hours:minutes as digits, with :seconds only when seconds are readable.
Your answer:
11:36
